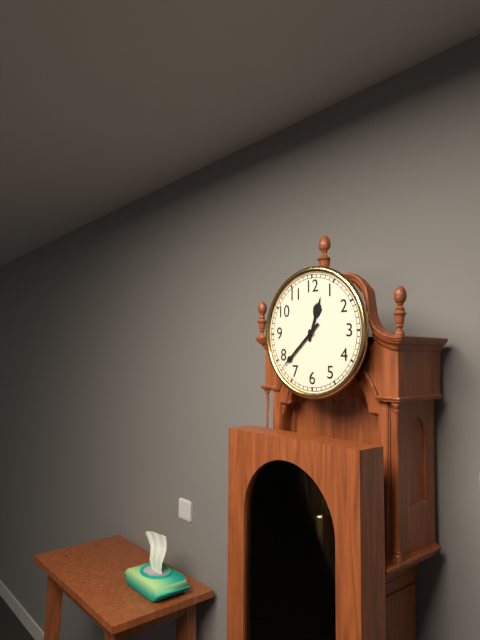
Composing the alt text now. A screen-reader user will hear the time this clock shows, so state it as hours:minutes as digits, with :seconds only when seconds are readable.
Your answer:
12:38
